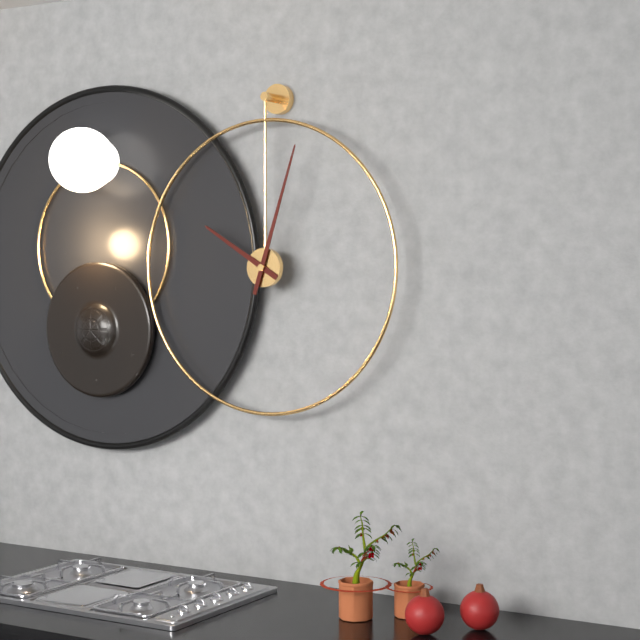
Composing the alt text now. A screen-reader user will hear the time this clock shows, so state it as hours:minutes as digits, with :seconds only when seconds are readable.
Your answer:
10:03
